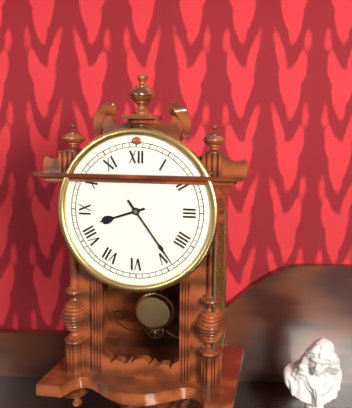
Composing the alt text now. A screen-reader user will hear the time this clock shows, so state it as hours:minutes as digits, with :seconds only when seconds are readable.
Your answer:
8:24
